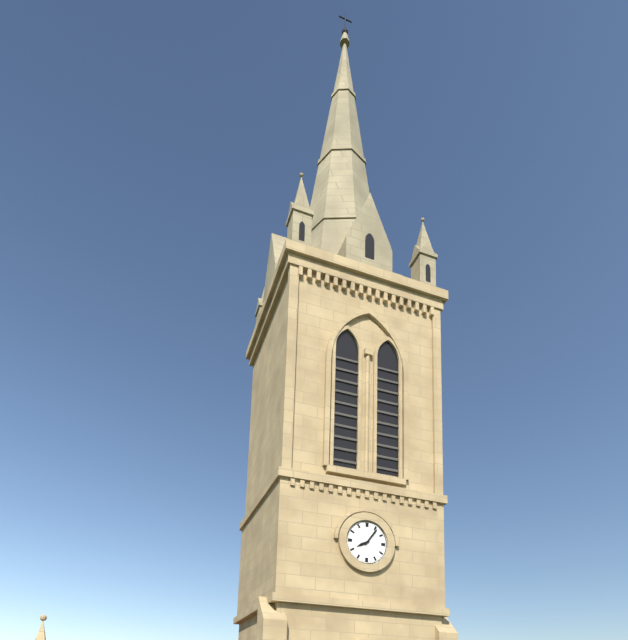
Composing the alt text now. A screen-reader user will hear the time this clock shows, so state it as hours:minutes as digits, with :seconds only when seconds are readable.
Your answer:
8:06
